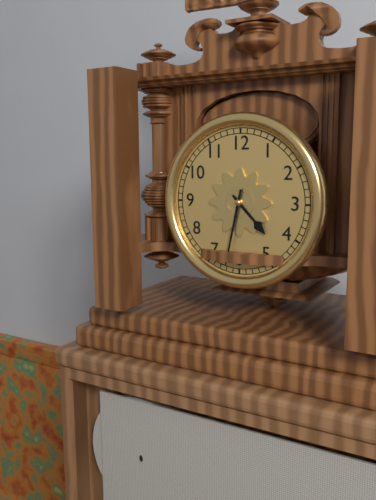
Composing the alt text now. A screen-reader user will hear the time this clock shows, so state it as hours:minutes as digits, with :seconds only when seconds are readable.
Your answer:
4:32
